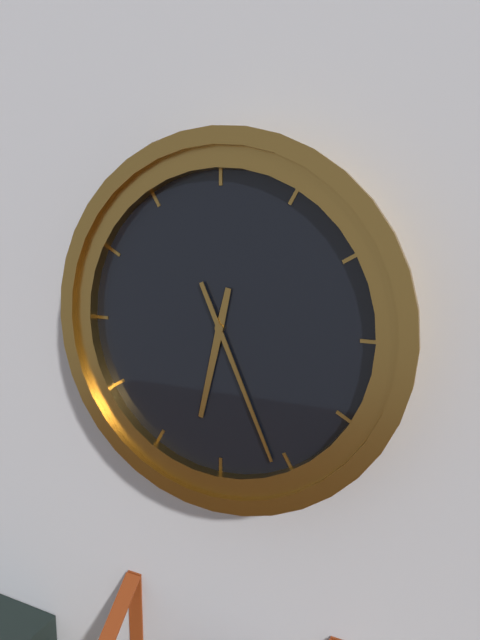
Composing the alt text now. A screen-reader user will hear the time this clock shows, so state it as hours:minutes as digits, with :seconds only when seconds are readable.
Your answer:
6:26
